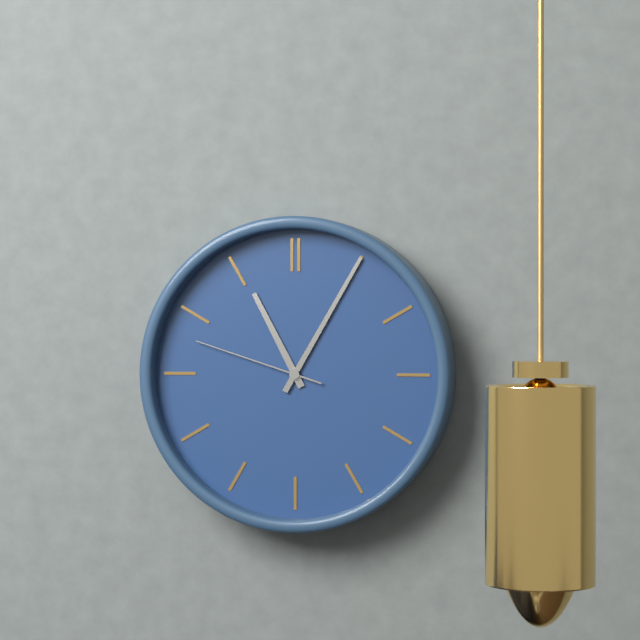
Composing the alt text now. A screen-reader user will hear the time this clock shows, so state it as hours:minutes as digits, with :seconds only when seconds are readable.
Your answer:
11:05:48
